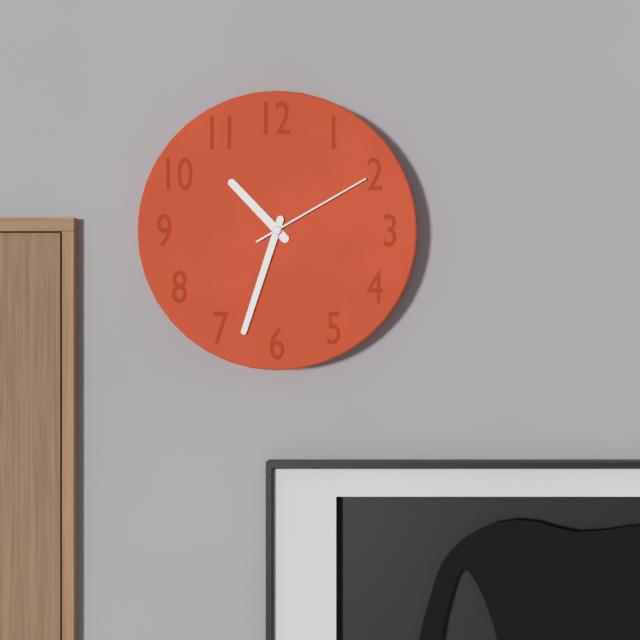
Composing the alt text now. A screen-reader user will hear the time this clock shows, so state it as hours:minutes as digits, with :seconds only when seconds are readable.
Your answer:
10:33:10
